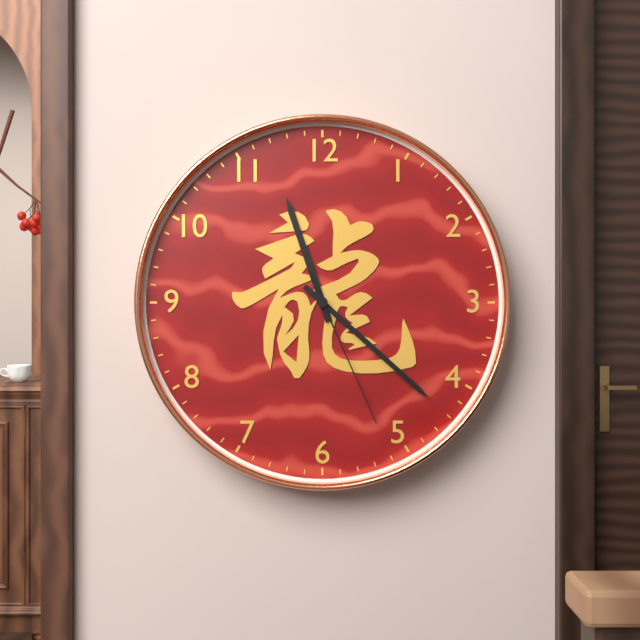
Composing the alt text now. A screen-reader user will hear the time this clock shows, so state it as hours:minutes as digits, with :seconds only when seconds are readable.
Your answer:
11:22:26
